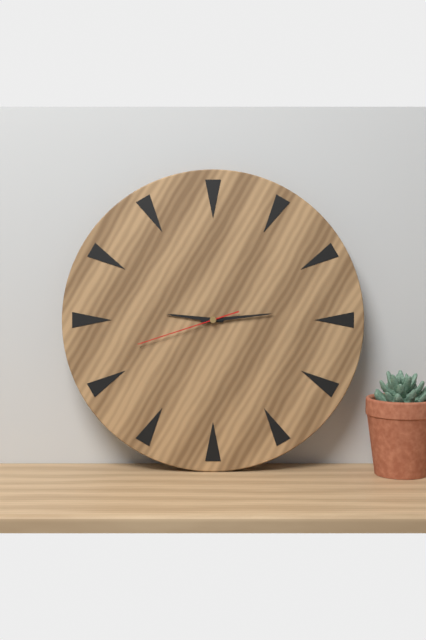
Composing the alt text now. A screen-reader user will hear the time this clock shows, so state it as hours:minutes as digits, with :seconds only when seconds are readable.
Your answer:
9:14:42
